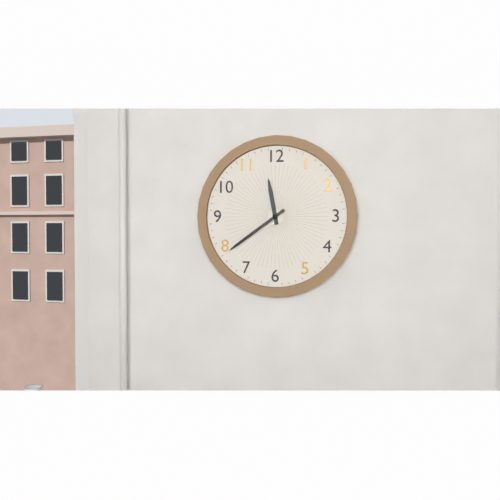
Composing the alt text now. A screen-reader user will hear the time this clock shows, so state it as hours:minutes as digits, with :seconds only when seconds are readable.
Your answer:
11:39
